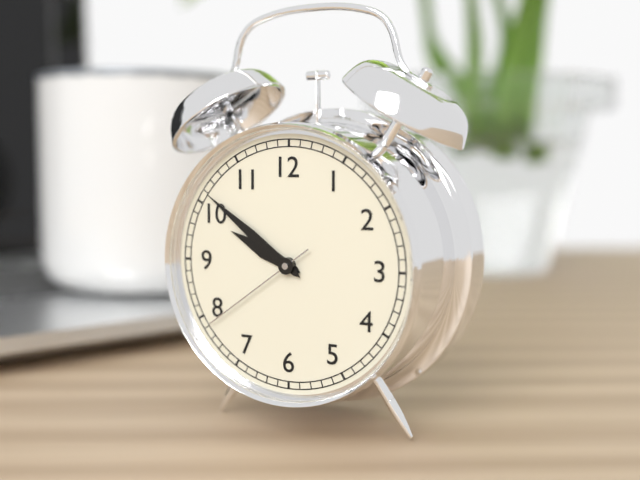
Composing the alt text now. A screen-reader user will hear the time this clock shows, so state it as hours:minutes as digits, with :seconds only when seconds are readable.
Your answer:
9:51:39
